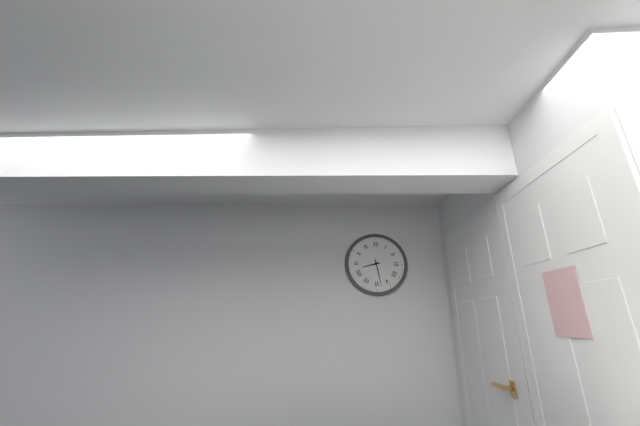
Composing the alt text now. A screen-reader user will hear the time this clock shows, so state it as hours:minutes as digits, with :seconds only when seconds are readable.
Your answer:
8:28
